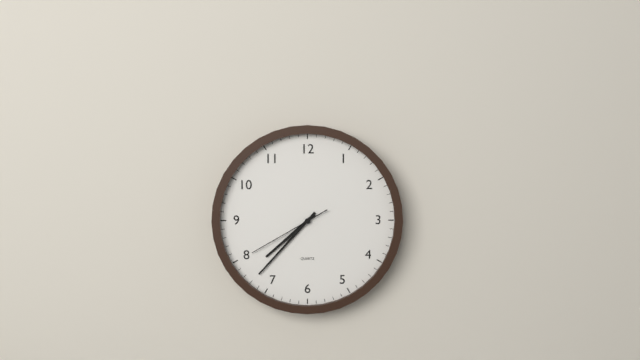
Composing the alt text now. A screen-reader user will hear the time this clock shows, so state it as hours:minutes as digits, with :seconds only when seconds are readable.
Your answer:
7:37:40
